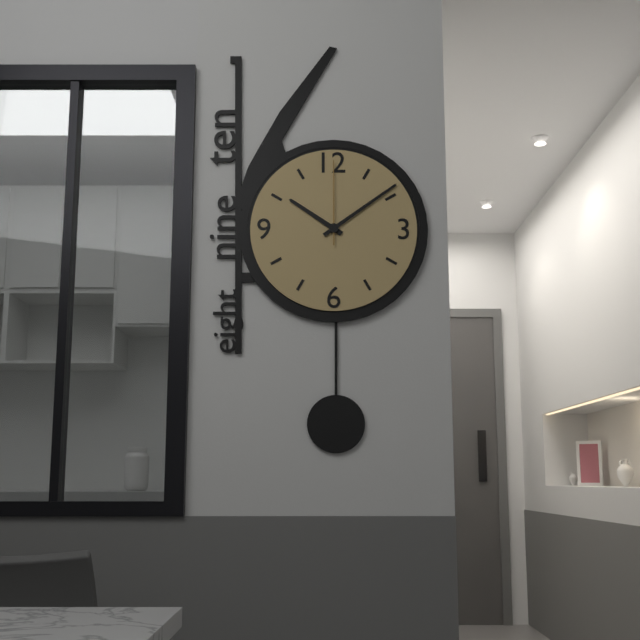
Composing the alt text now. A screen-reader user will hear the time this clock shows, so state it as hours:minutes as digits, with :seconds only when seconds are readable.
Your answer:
10:09:00
